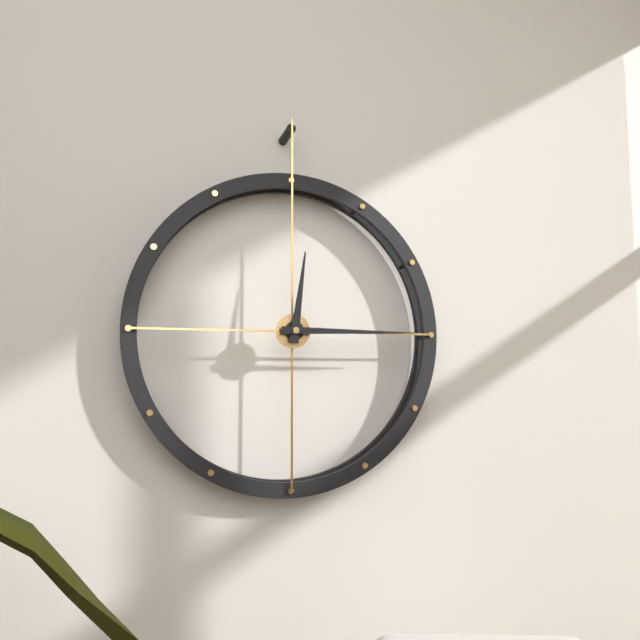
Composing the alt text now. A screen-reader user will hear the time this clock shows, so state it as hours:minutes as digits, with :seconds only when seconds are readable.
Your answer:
12:15
